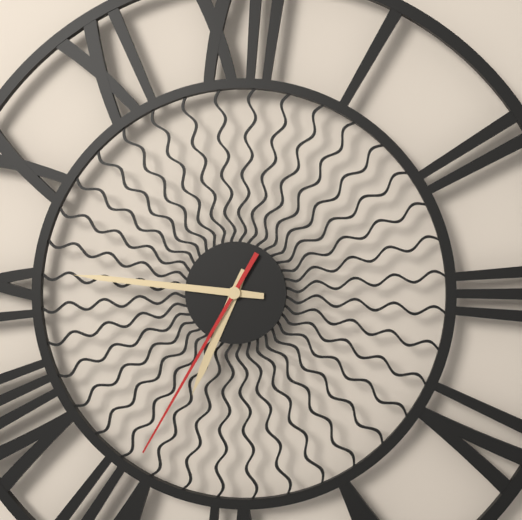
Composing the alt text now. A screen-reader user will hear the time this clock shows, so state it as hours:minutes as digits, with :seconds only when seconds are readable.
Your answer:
6:46:35
